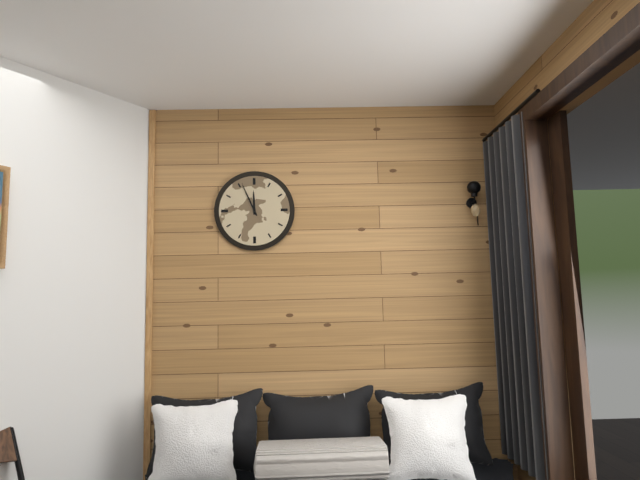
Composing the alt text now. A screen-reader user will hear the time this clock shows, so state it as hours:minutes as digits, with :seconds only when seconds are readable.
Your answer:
11:56
